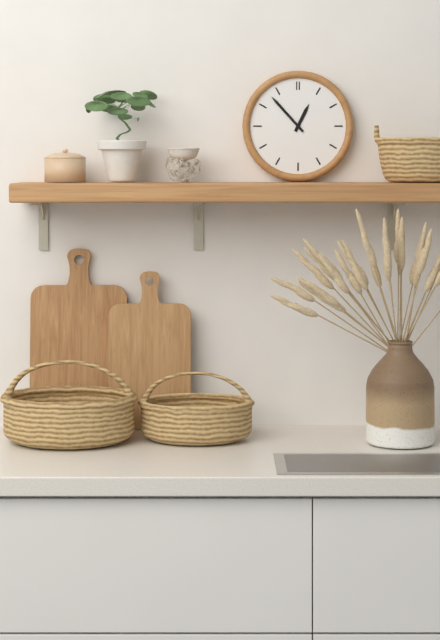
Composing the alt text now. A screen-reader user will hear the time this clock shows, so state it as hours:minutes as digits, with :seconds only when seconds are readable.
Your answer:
12:53
